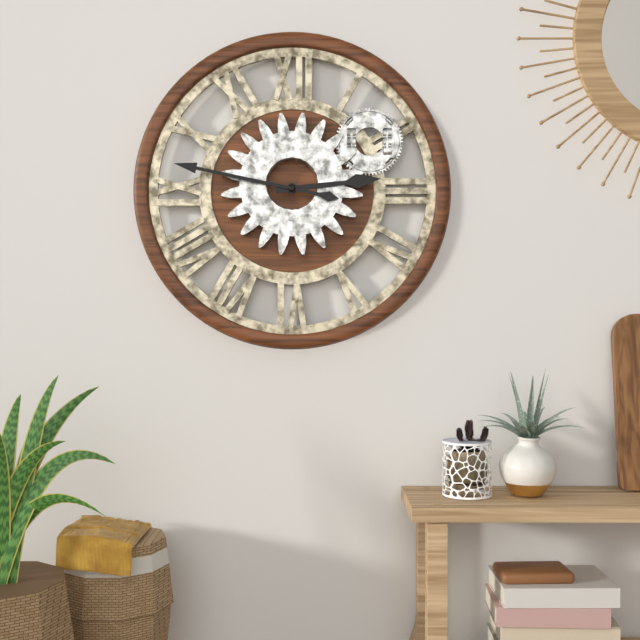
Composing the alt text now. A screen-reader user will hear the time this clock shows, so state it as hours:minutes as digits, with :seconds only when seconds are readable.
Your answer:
2:47
